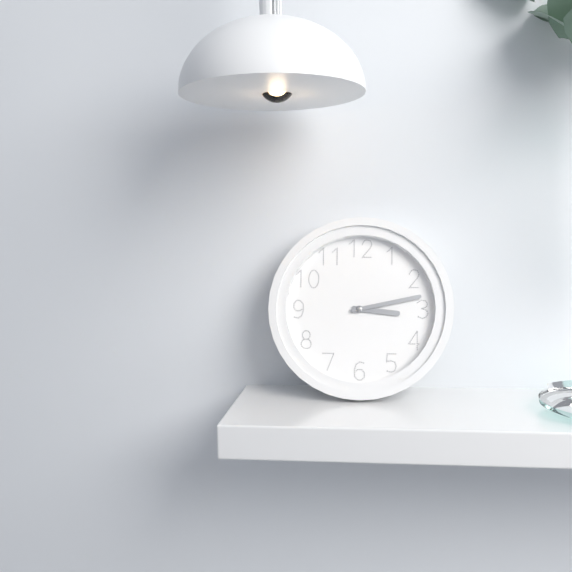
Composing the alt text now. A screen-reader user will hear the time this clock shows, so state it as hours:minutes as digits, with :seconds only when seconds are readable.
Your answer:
3:13
